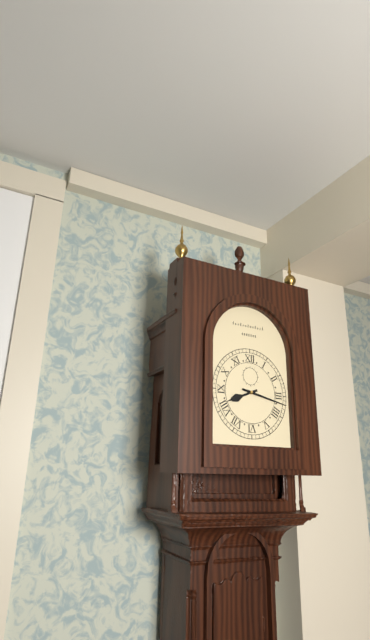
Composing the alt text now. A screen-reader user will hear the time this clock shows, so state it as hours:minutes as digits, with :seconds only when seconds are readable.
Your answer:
8:17
